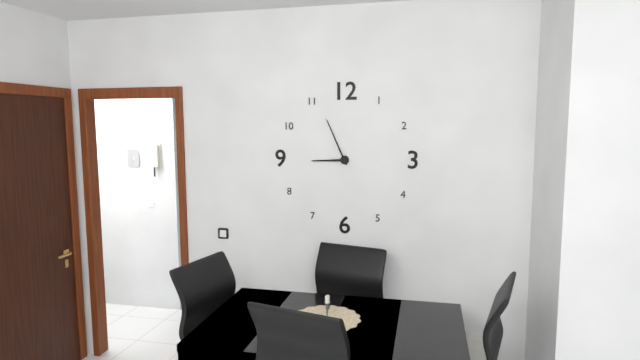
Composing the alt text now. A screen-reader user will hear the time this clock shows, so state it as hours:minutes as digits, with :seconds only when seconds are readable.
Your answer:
8:56
